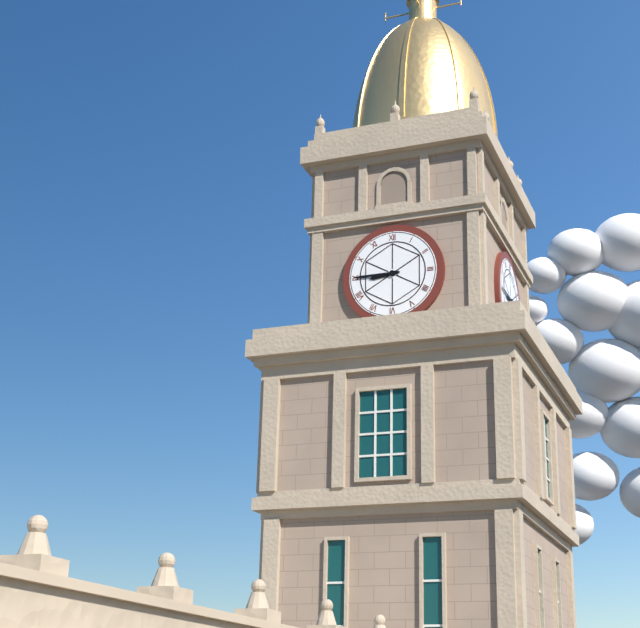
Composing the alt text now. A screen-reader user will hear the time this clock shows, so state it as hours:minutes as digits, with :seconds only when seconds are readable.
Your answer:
8:45
